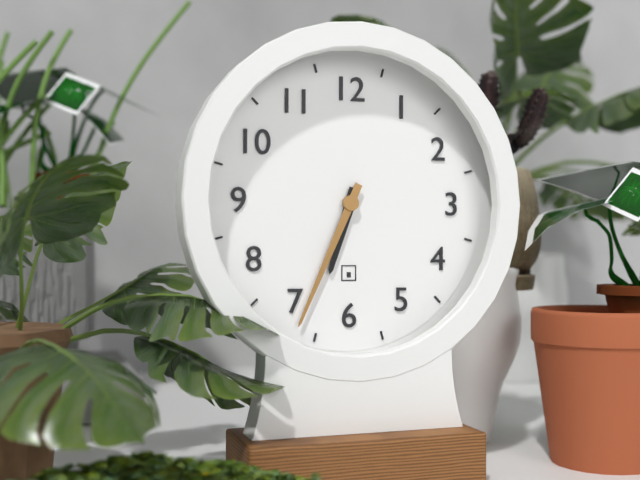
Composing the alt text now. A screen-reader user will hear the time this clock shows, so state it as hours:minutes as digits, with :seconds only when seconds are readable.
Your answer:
6:34
